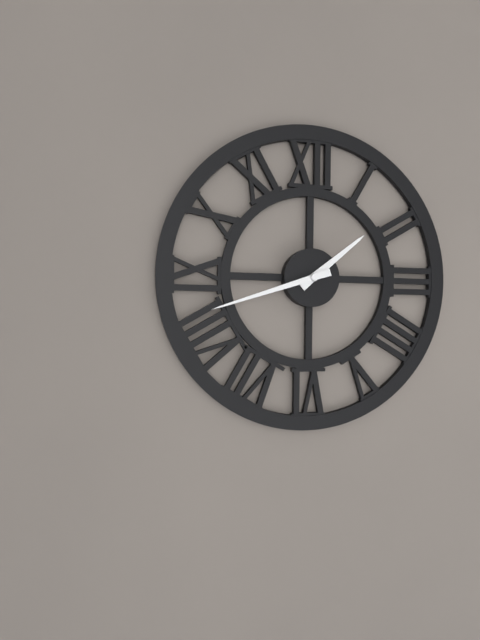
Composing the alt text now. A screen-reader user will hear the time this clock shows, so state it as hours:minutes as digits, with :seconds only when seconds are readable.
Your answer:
1:42
